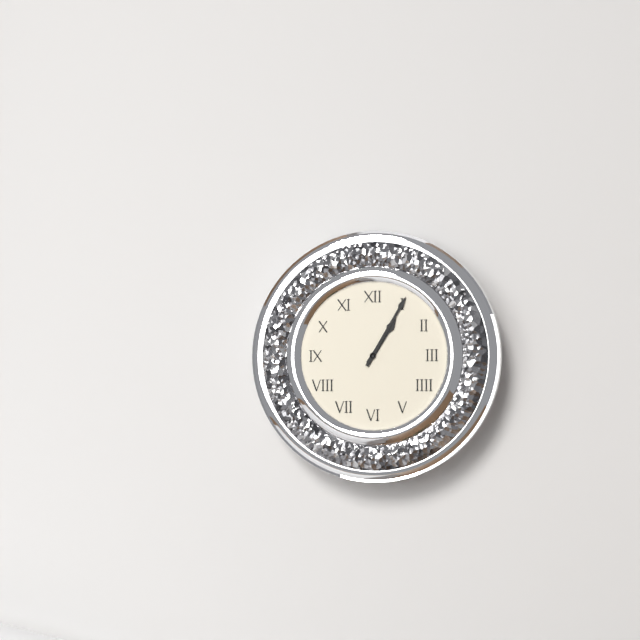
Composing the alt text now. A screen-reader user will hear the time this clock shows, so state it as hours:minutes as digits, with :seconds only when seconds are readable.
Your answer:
1:05
